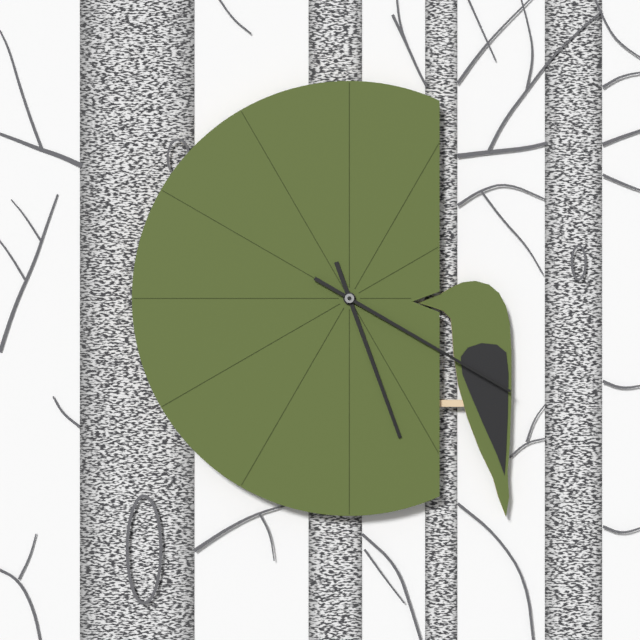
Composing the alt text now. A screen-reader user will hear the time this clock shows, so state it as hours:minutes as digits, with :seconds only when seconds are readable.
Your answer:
5:20
